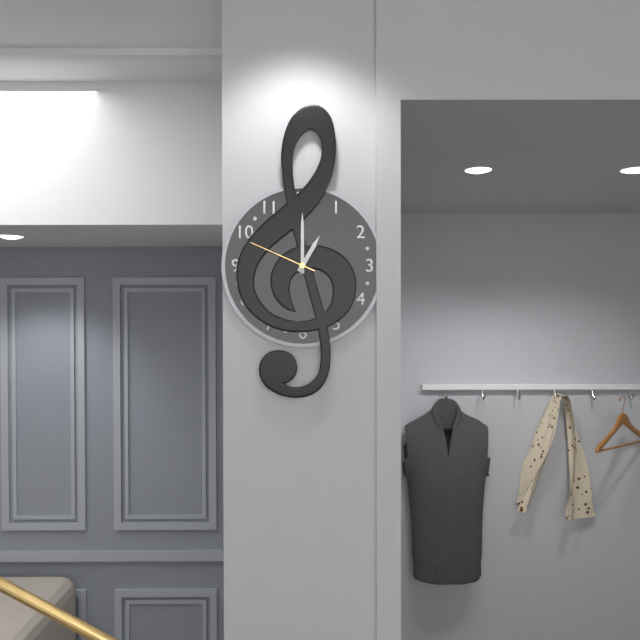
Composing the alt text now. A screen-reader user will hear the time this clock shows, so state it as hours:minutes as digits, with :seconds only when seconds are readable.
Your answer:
1:00:49
